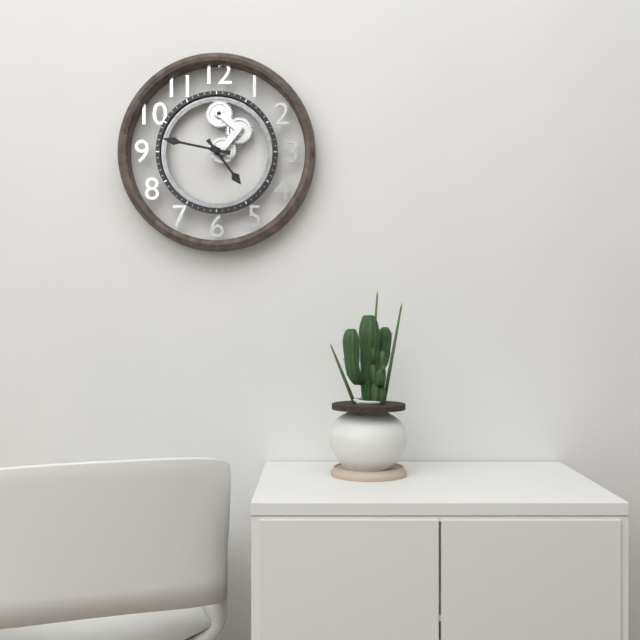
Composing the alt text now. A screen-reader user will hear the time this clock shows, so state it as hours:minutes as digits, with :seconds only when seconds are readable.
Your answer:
4:47
